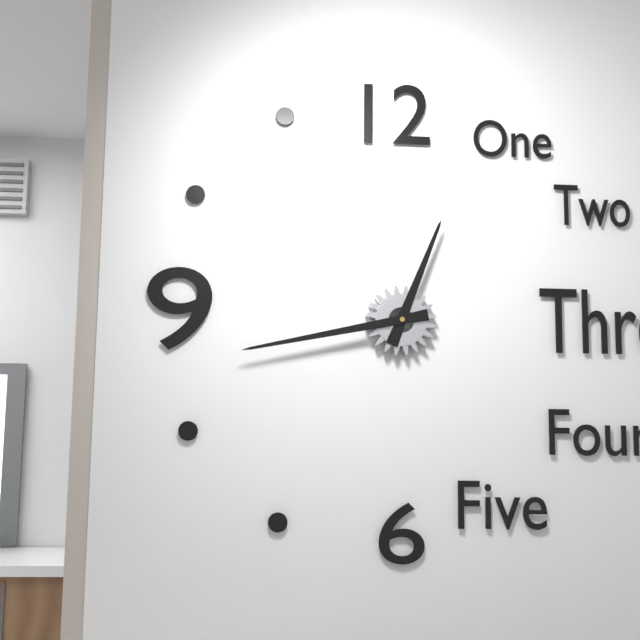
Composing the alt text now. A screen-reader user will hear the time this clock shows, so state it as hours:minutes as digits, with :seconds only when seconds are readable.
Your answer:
12:43
